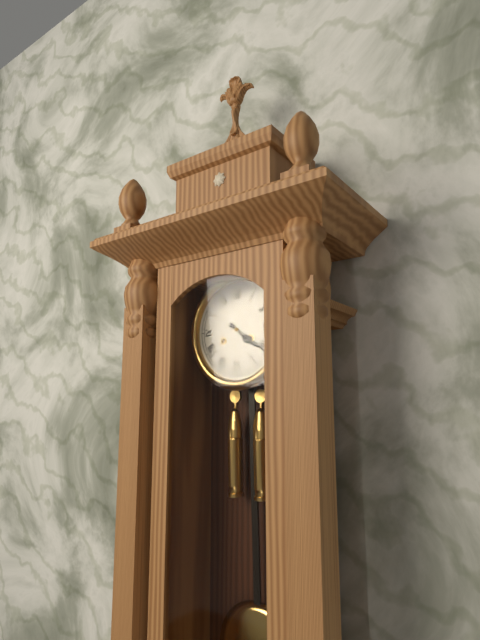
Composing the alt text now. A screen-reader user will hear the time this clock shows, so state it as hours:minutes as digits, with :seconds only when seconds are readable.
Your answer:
4:21
